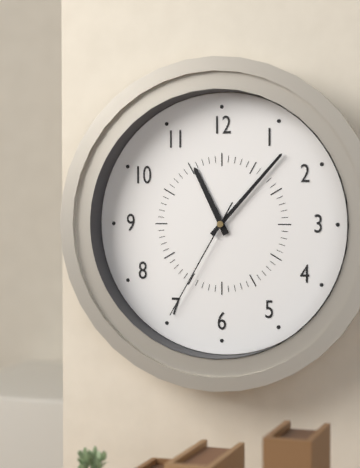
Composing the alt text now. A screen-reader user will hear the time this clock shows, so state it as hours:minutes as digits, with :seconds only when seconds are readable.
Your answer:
11:07:35
